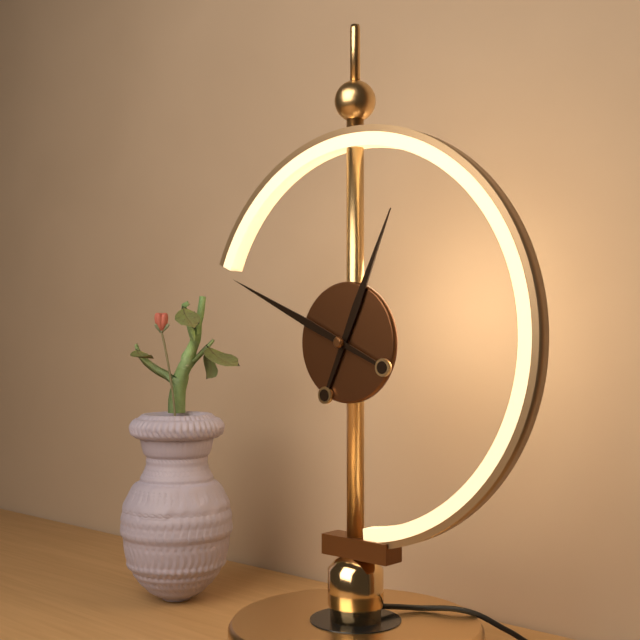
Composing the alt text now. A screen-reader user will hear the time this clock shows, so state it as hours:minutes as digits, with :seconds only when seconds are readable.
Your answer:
12:49
